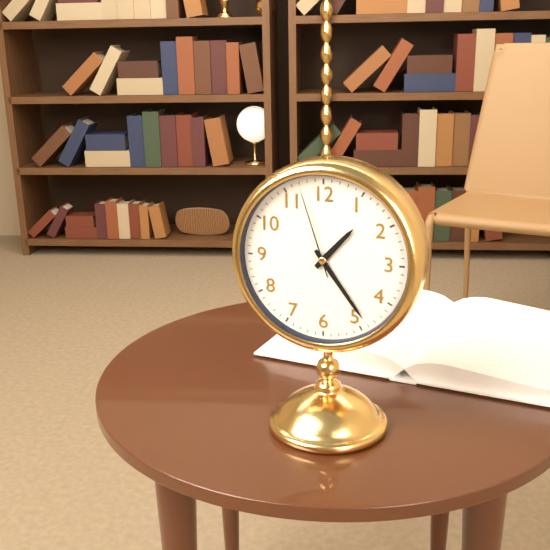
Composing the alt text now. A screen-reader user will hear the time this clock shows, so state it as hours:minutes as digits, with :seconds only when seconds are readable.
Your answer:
1:24:57
